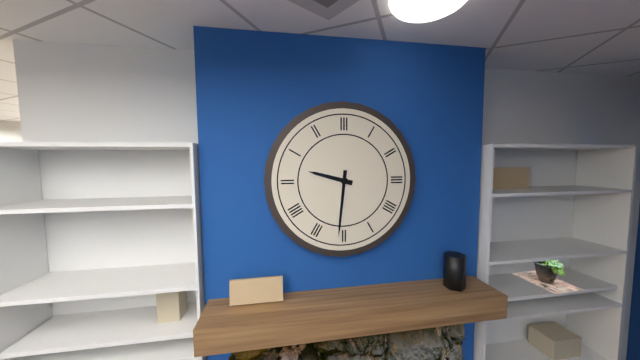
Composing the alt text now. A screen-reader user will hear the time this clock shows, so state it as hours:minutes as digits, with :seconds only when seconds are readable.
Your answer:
9:31
